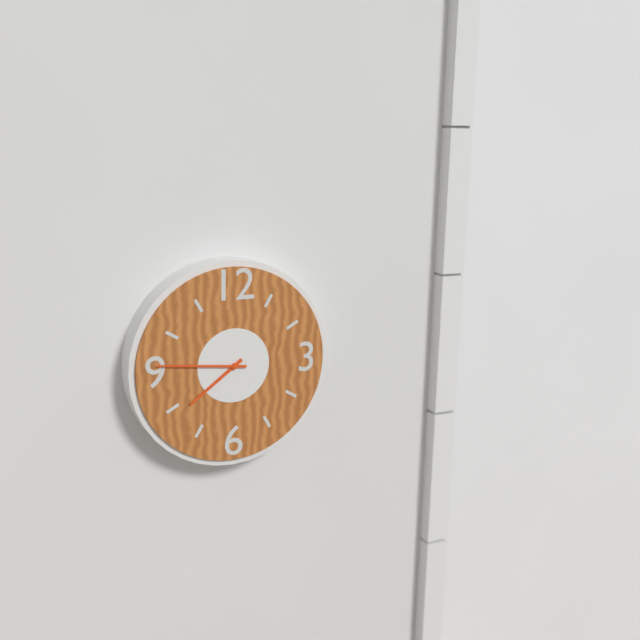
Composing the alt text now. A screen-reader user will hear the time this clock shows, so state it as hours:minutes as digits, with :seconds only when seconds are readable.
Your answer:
7:46
